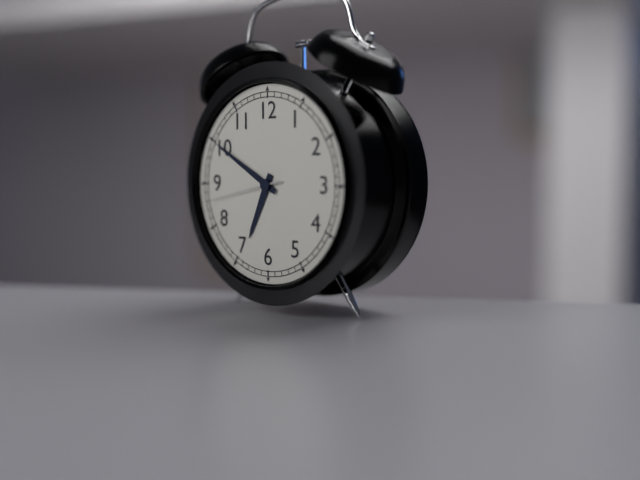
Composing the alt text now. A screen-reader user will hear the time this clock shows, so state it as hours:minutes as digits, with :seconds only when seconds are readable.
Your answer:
6:50:43
